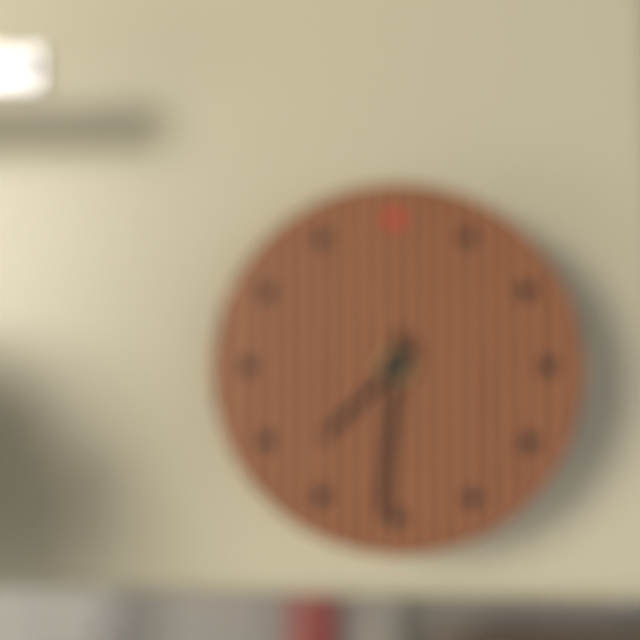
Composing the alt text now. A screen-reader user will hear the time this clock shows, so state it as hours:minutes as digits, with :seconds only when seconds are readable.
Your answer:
7:31
